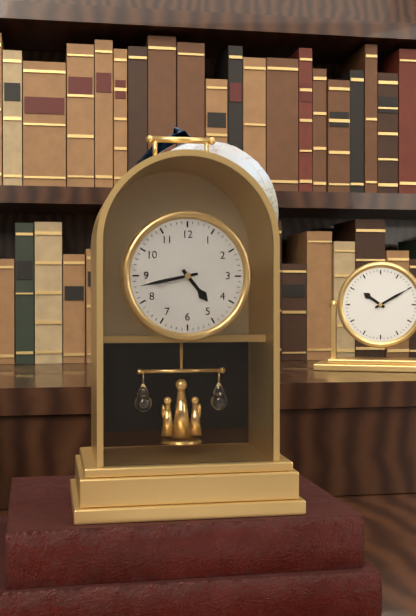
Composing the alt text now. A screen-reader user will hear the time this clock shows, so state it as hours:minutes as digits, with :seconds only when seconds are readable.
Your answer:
4:43
